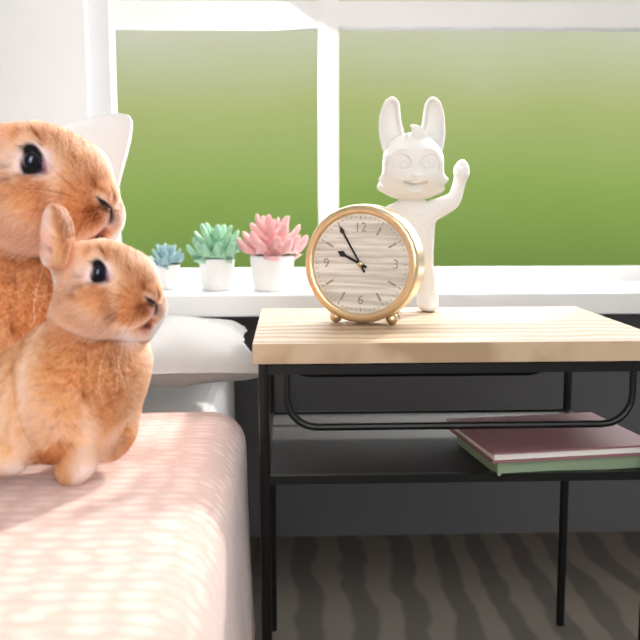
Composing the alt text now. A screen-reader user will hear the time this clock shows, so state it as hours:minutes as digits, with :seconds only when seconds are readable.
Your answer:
9:55
